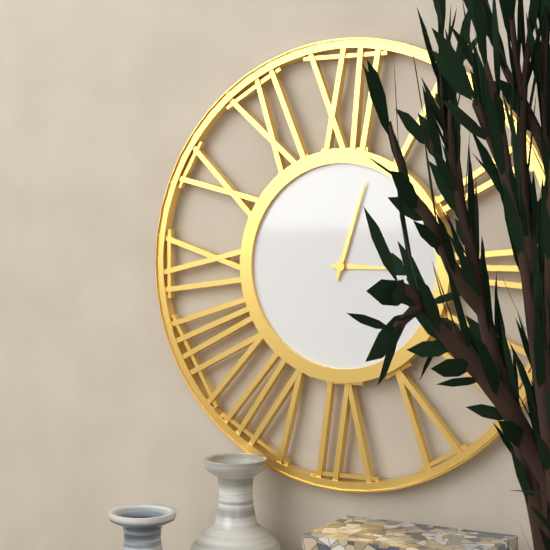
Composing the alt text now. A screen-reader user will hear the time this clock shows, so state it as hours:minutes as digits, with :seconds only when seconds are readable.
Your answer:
3:03
